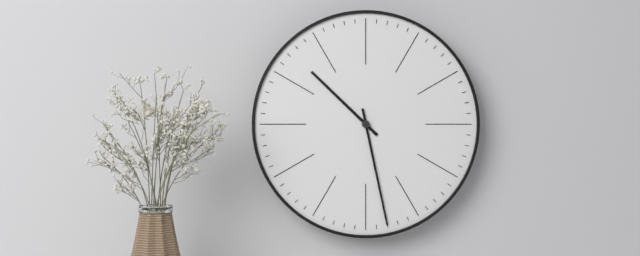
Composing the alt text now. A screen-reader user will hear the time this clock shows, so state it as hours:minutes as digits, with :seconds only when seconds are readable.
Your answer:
10:28
